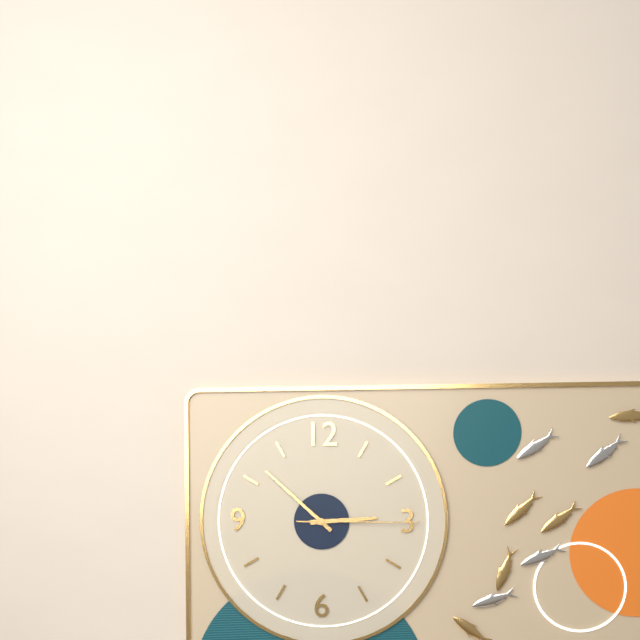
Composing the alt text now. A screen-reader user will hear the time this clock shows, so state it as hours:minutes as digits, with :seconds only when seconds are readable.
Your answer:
2:52:15
